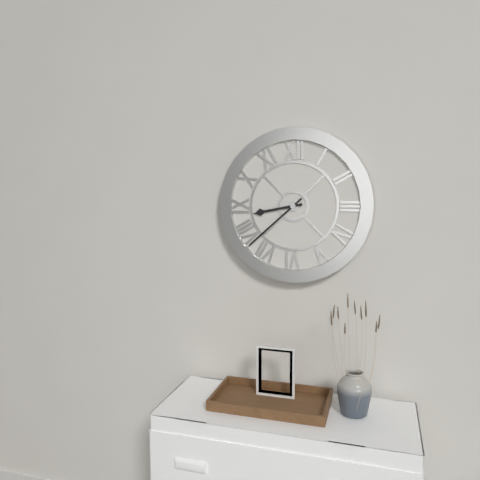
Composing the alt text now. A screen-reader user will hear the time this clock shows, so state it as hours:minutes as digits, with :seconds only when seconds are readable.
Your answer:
8:38
